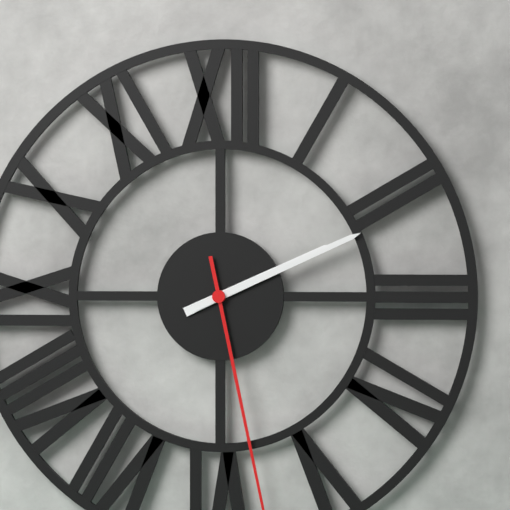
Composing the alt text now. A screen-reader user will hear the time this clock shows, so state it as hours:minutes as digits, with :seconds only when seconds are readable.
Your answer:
2:11
